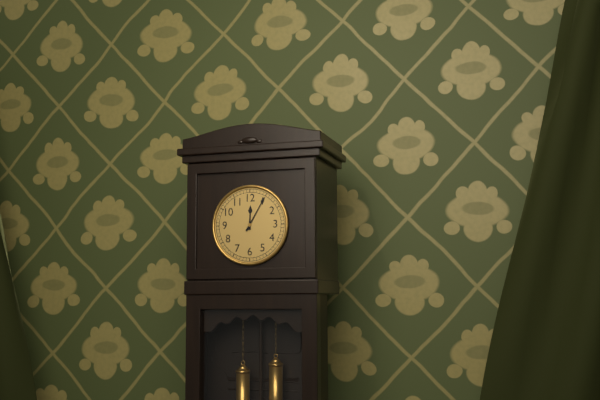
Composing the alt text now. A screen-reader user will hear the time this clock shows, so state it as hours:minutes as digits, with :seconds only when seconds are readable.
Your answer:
12:05
